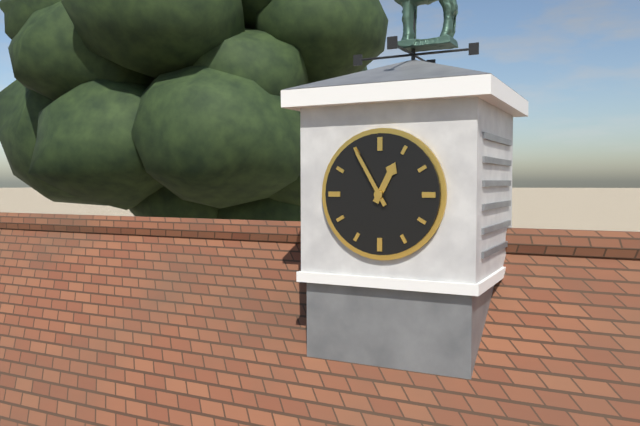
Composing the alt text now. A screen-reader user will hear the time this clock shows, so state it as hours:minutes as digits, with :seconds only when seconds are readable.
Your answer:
12:55
